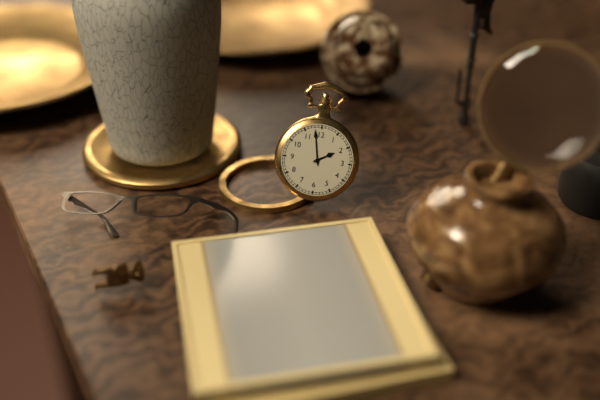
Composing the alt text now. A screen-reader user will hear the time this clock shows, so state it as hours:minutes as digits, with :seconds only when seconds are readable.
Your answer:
1:58
